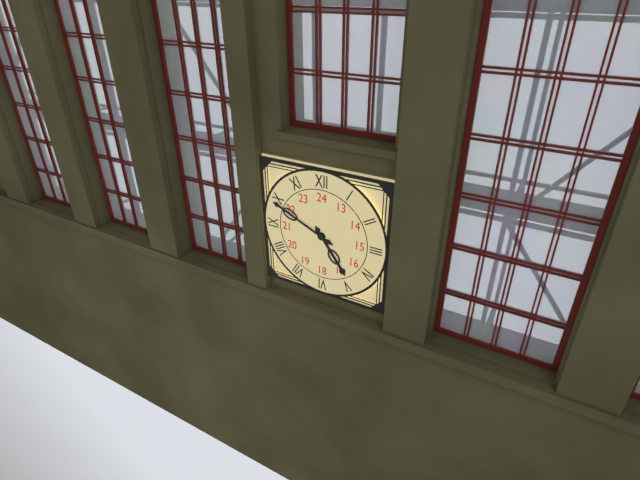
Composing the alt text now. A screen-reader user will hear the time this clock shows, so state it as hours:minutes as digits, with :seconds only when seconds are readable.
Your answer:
4:49
